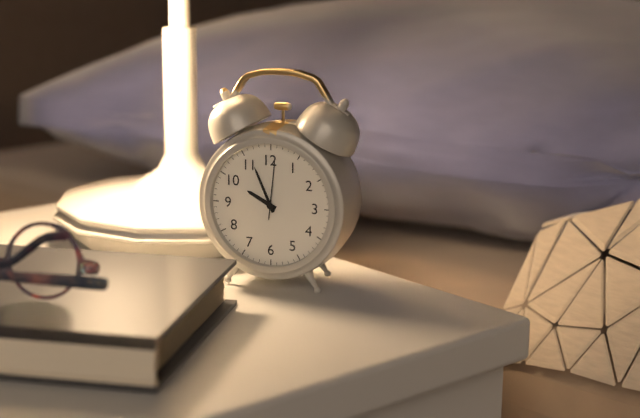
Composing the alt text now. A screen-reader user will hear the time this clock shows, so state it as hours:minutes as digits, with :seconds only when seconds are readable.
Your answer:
9:56:01
